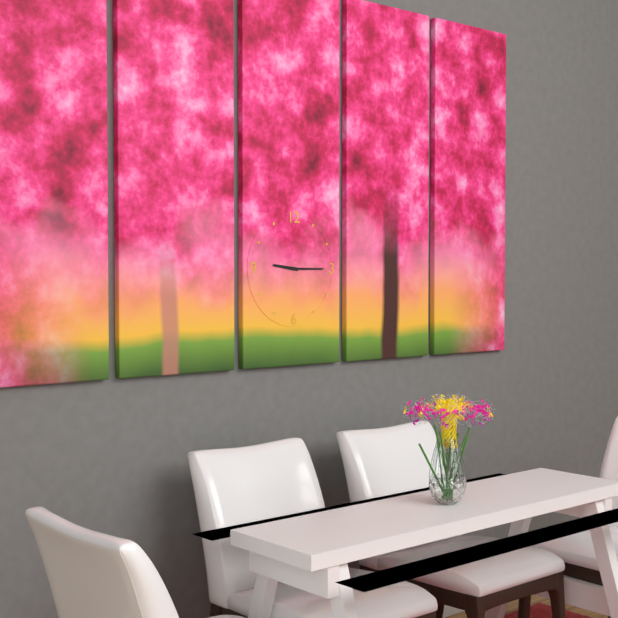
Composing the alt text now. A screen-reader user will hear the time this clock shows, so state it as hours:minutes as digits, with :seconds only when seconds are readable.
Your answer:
9:15
